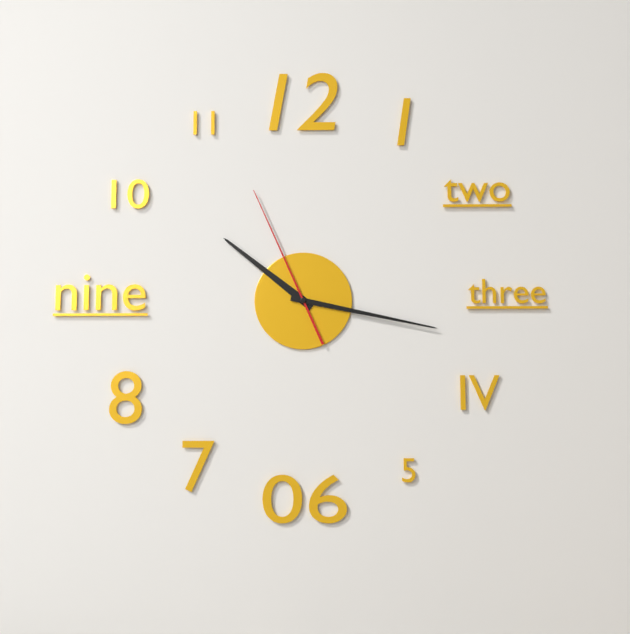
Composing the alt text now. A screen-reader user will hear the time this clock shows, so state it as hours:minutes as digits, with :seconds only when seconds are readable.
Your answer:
10:17:56
